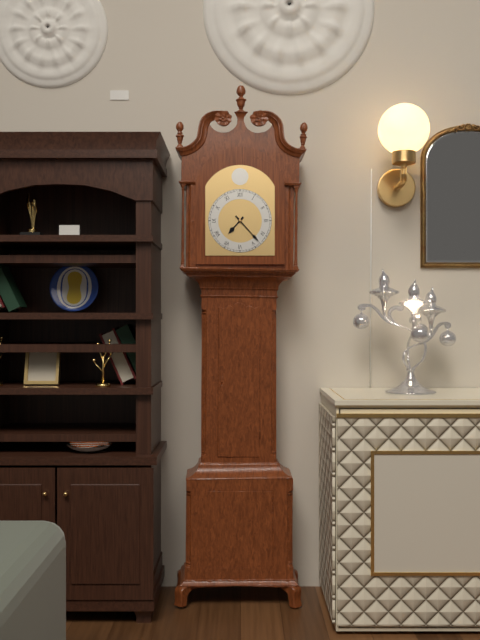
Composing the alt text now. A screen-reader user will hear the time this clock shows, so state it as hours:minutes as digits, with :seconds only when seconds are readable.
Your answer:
7:23
